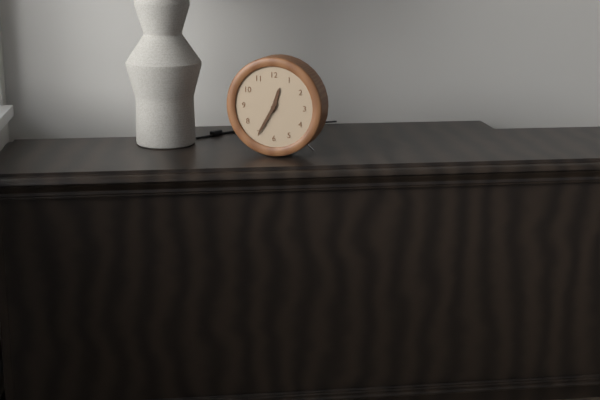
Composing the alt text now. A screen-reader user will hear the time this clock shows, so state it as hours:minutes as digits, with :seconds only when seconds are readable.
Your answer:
12:35
